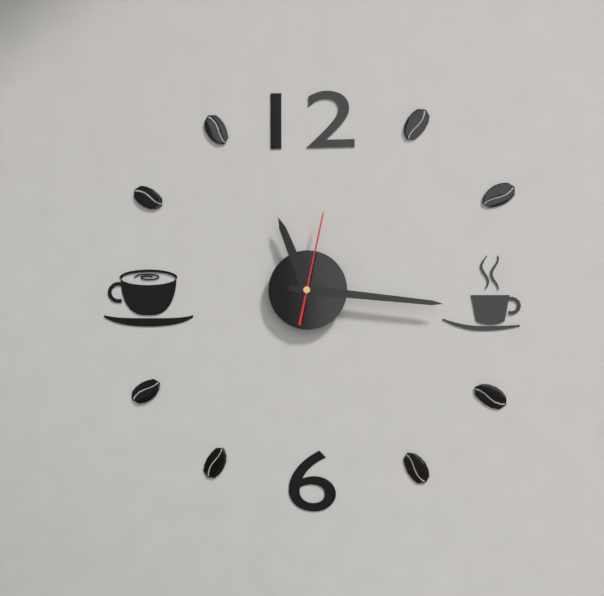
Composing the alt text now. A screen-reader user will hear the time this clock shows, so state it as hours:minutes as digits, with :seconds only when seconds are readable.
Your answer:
11:16:02
